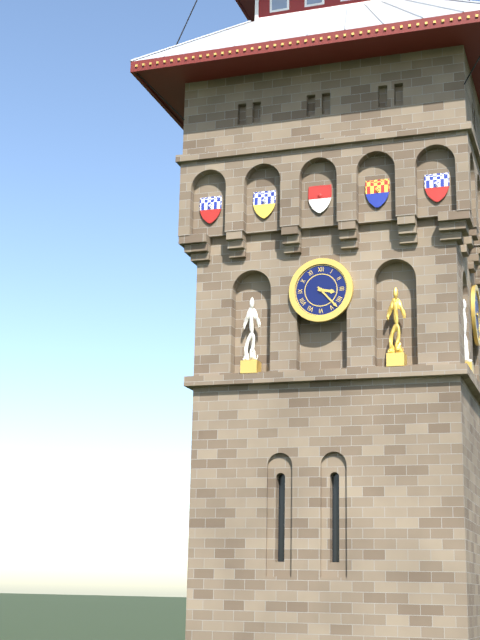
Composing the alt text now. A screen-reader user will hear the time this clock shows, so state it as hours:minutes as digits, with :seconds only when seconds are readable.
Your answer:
3:23
